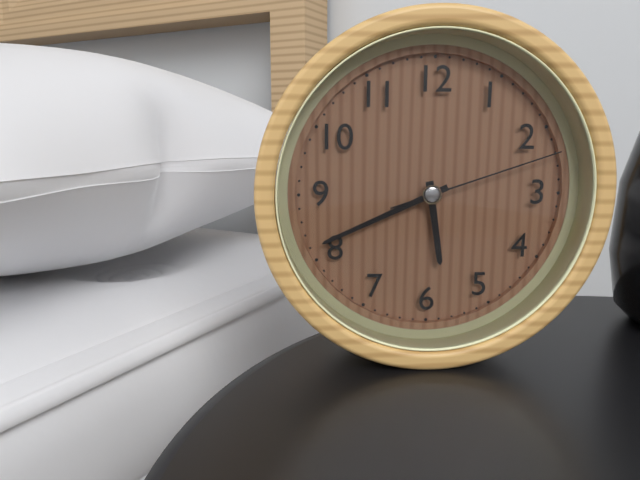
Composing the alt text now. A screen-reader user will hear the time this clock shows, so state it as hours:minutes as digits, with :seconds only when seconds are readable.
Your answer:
5:41:12
